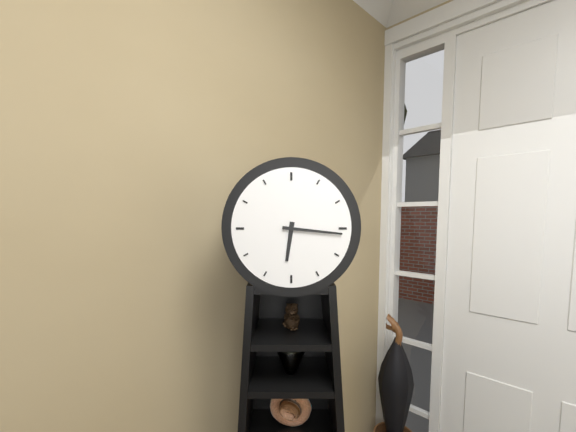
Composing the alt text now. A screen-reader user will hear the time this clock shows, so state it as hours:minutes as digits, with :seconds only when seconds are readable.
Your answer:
6:16
